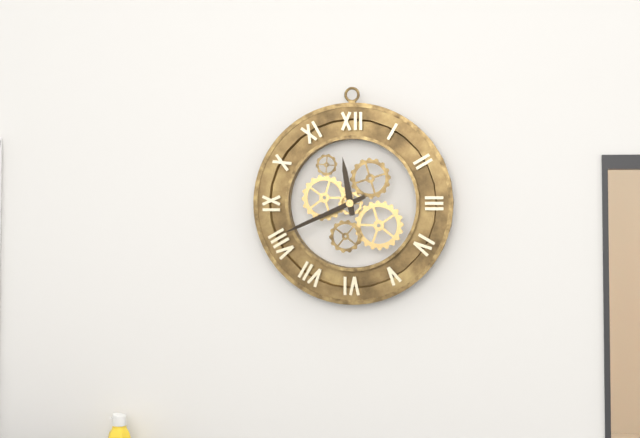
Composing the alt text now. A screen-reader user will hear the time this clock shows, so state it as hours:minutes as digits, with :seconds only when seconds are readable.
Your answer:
11:41
